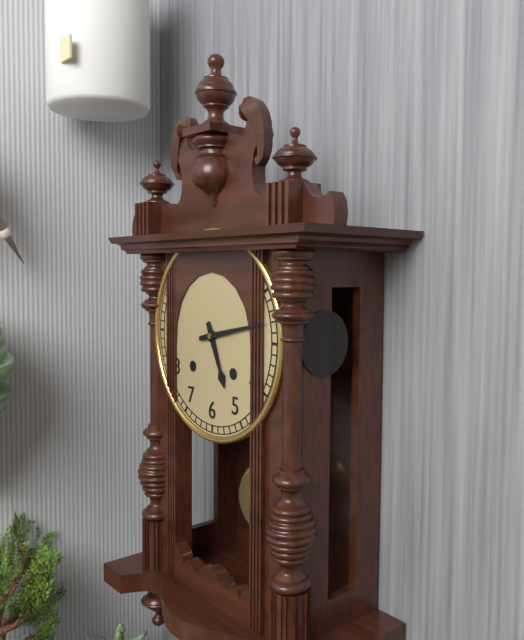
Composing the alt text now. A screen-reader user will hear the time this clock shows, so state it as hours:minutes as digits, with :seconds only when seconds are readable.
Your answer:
5:13
